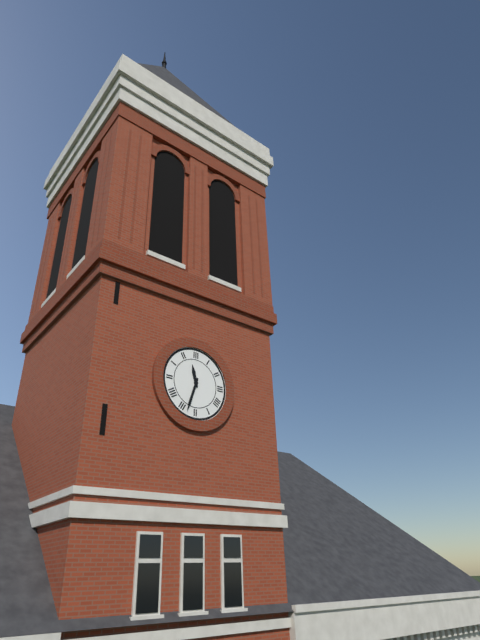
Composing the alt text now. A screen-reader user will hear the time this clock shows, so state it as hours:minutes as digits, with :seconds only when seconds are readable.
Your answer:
11:33
